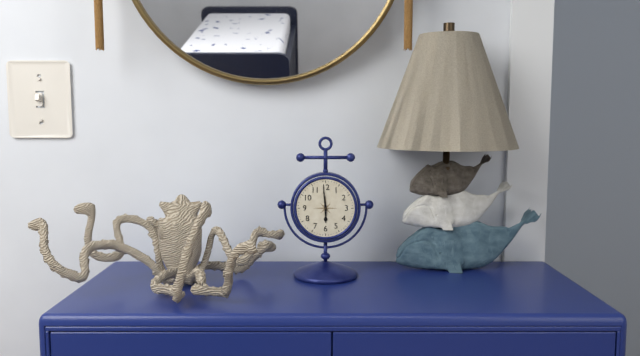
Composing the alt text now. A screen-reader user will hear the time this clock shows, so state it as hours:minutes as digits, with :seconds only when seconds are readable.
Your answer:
5:59
